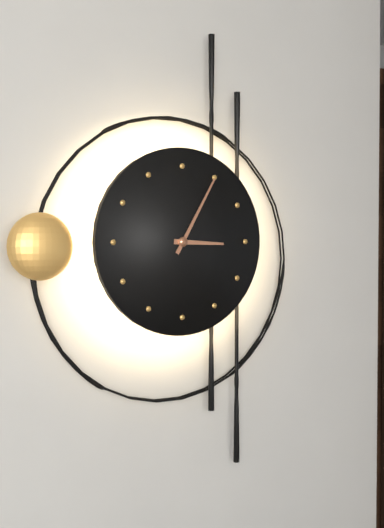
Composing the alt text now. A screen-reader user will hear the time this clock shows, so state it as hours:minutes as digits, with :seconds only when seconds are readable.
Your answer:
3:05
